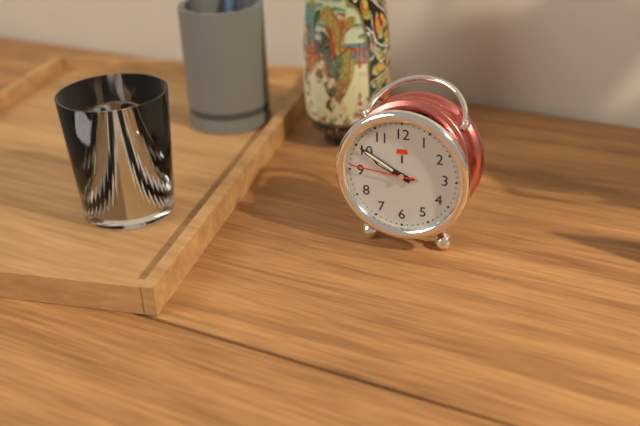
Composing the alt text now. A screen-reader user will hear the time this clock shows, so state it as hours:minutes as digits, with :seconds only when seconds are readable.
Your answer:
9:50:46
